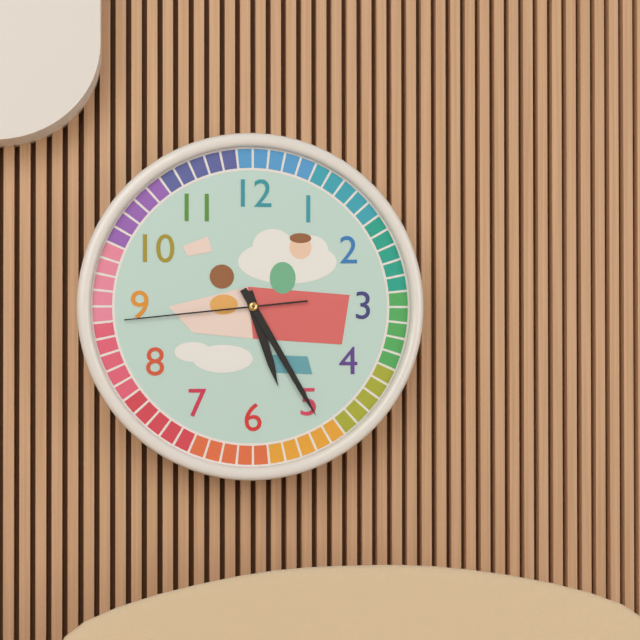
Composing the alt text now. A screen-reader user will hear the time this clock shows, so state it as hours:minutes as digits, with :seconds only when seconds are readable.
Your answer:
5:25:44
